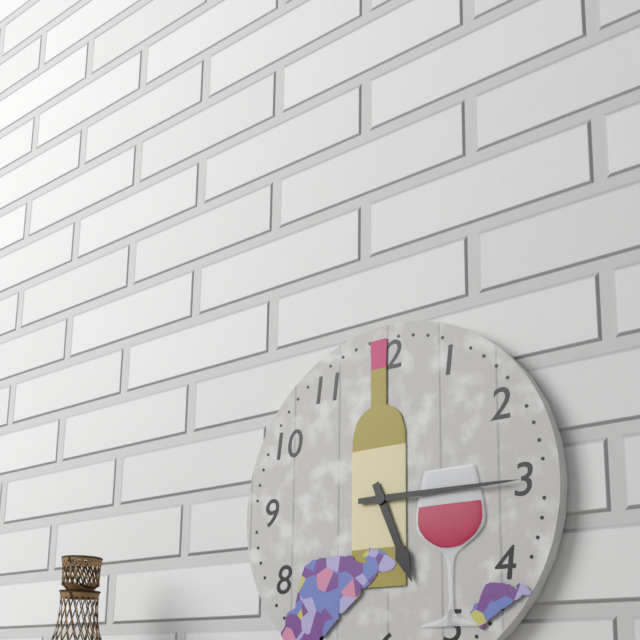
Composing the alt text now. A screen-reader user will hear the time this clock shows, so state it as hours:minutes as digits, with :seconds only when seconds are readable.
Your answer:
5:15
